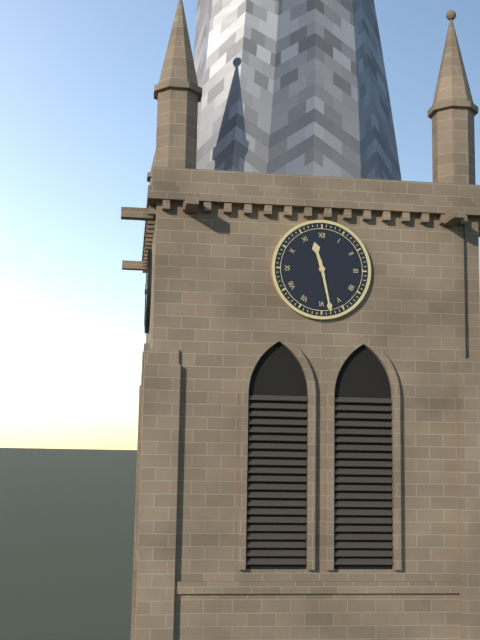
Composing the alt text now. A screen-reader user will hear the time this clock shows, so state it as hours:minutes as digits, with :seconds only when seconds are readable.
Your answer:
11:28
